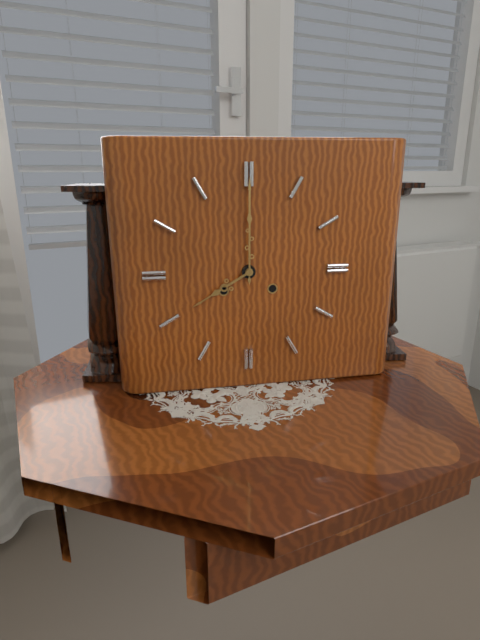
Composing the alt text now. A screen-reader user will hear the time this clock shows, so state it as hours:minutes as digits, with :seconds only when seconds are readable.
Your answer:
8:00
